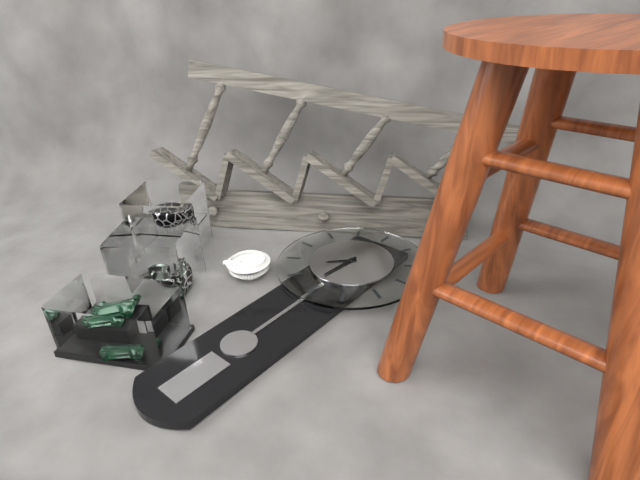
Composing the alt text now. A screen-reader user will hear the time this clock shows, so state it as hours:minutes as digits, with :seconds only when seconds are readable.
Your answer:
7:31
